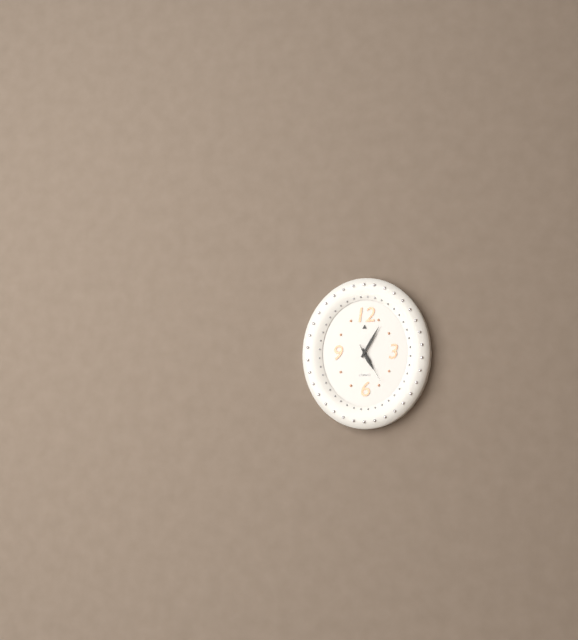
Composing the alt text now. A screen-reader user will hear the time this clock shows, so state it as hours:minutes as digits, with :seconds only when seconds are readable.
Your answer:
5:05
